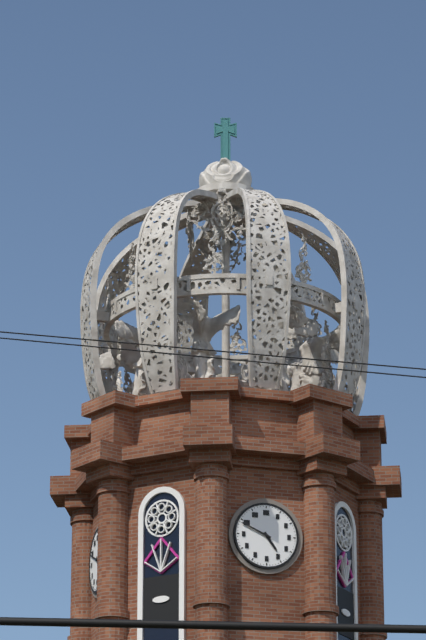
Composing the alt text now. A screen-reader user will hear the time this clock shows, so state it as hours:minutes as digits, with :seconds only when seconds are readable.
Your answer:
4:49
